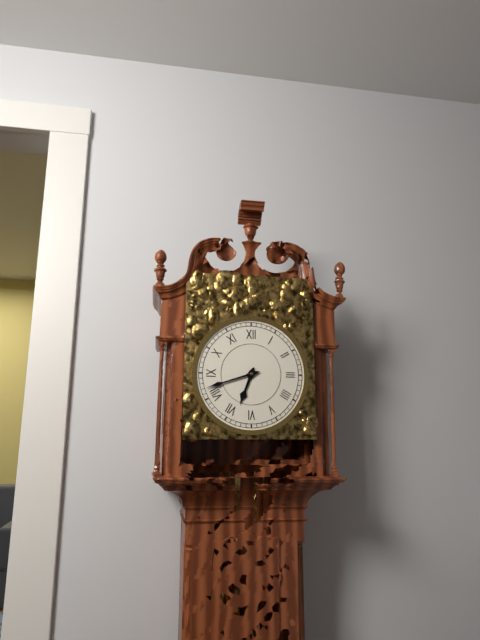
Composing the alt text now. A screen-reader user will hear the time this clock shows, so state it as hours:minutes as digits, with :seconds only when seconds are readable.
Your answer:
6:42
